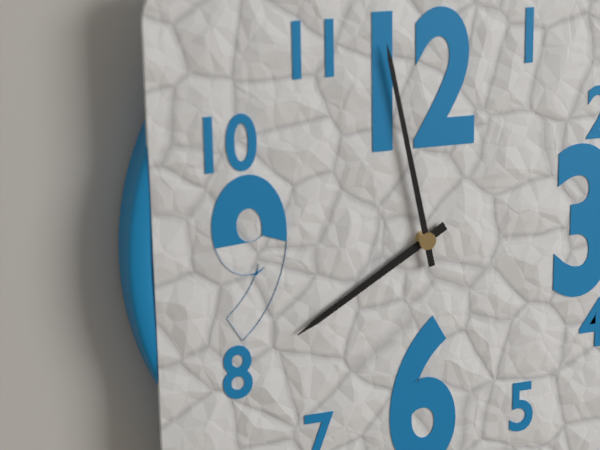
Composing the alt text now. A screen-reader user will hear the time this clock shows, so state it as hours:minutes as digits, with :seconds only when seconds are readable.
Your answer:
7:58
